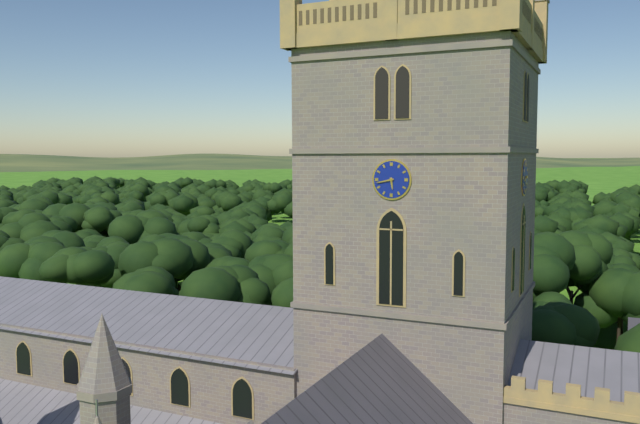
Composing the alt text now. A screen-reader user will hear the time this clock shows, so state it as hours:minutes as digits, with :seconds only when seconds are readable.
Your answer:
5:43
